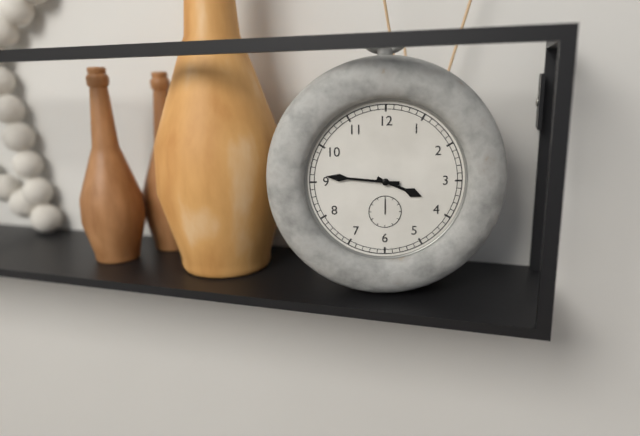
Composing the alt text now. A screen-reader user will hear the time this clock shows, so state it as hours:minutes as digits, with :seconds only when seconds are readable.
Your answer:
3:46
